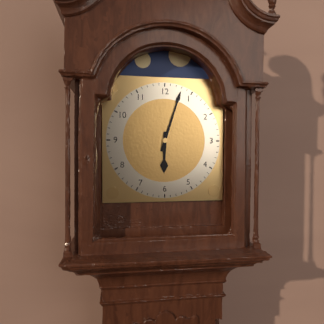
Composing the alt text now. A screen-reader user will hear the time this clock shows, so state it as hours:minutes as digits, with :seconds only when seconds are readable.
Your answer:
6:03
